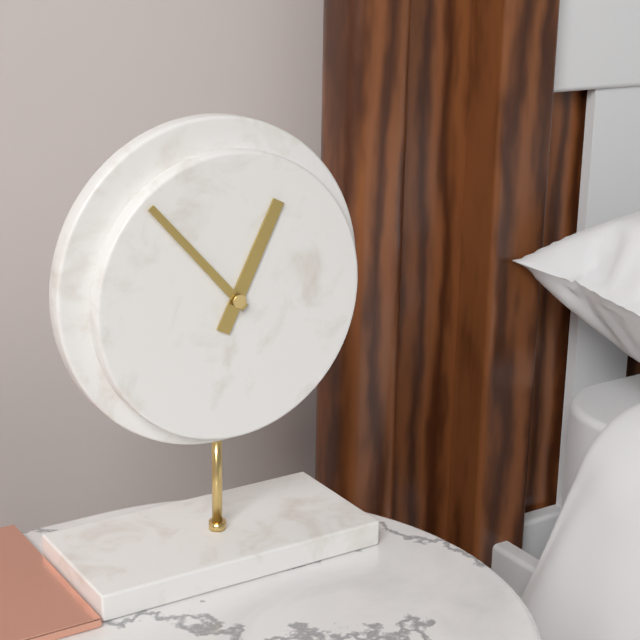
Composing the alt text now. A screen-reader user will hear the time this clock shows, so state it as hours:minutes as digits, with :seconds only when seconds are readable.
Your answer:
12:53
